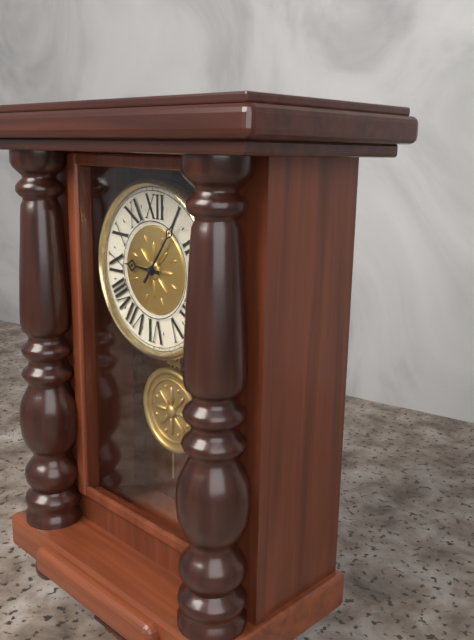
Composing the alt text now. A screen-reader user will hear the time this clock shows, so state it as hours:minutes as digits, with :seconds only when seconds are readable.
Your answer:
9:06
